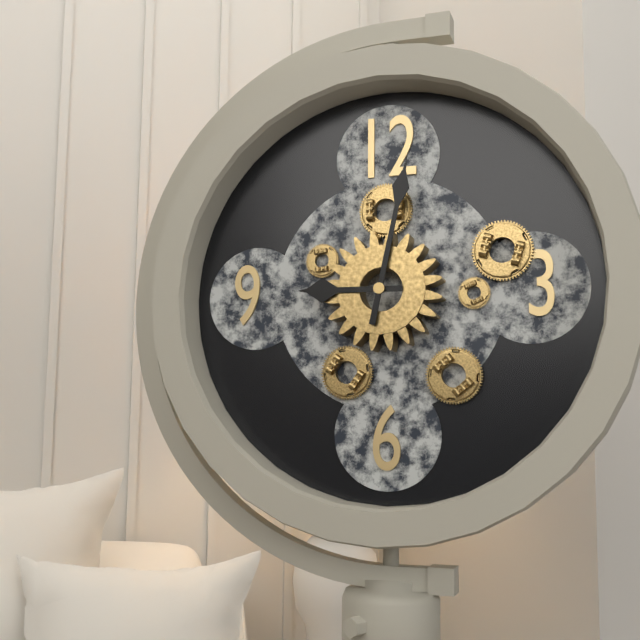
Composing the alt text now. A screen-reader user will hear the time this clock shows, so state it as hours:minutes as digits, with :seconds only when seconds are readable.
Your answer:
9:02
